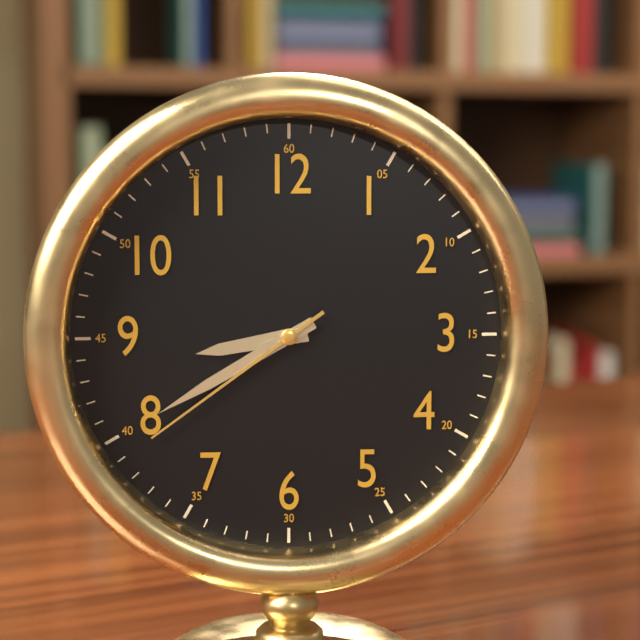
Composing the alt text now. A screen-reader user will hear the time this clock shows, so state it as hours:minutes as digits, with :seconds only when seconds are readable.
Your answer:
8:40:39
